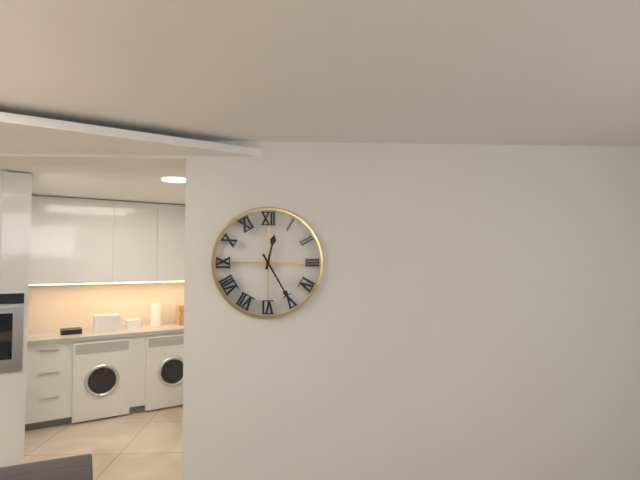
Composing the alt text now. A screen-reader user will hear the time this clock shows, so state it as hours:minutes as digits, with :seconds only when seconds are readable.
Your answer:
12:25
